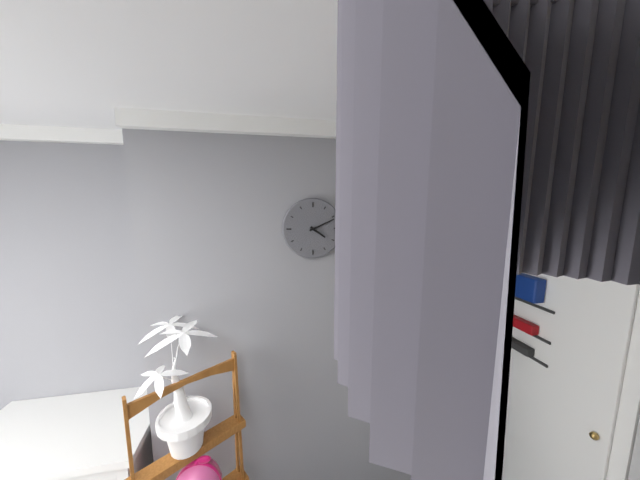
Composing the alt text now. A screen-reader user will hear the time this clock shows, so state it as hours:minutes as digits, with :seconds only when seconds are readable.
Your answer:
4:11
